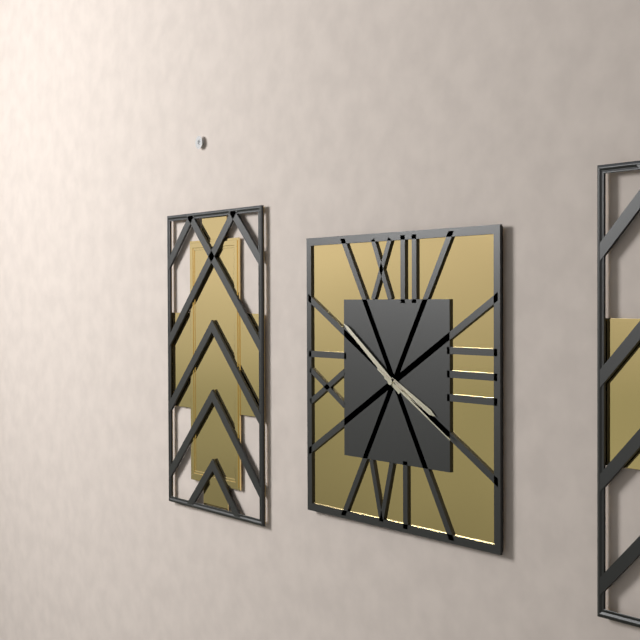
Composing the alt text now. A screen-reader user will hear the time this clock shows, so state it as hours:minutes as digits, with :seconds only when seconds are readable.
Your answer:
3:51:20
